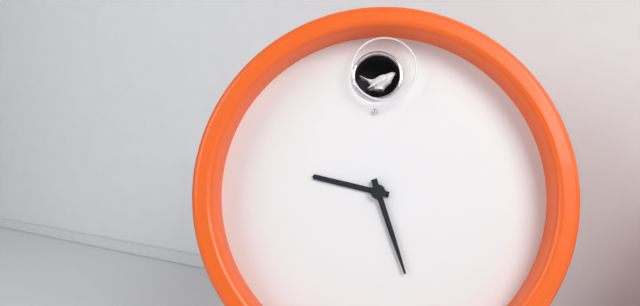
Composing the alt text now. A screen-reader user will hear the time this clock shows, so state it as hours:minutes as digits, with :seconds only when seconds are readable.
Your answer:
9:27
